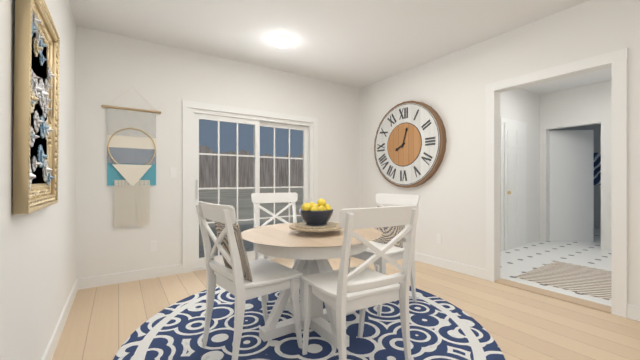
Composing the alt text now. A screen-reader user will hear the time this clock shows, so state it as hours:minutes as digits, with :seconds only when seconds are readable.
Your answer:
8:03
